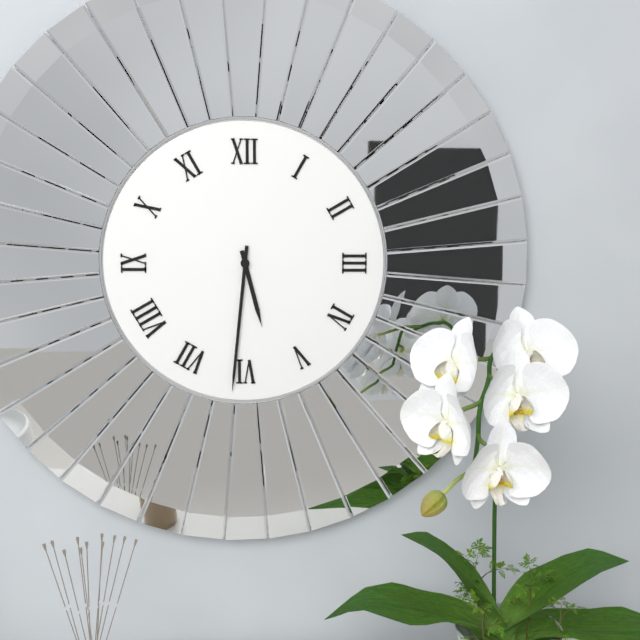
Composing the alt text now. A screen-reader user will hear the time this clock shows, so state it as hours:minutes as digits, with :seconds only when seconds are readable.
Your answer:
5:31
